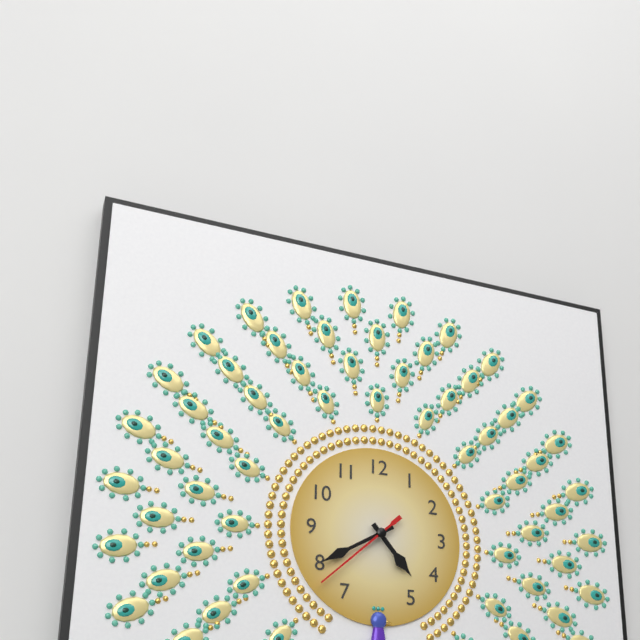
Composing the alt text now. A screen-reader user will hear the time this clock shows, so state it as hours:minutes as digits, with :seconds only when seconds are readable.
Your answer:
4:40:38
